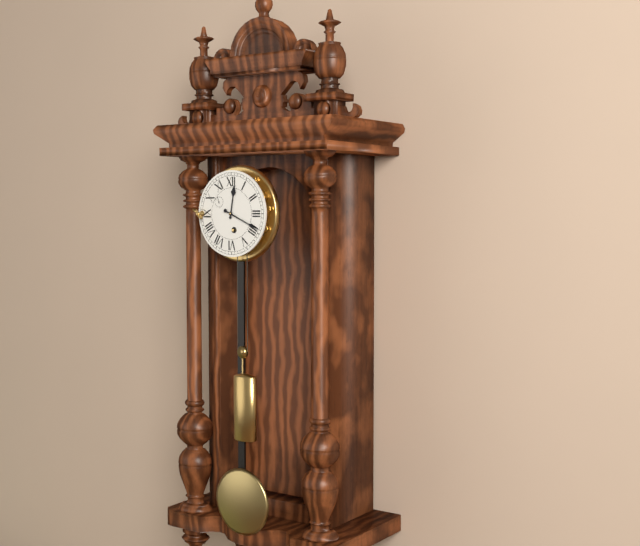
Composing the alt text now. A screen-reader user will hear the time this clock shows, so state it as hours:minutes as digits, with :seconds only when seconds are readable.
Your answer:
12:19
